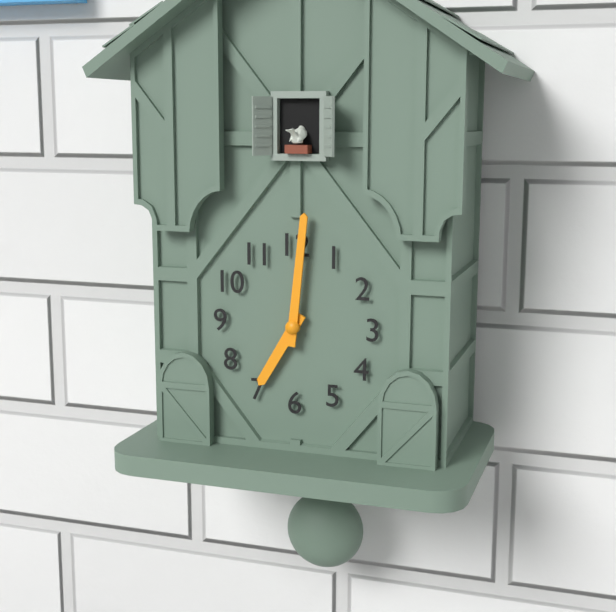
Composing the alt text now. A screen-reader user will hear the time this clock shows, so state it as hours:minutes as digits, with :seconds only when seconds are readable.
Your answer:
7:01
